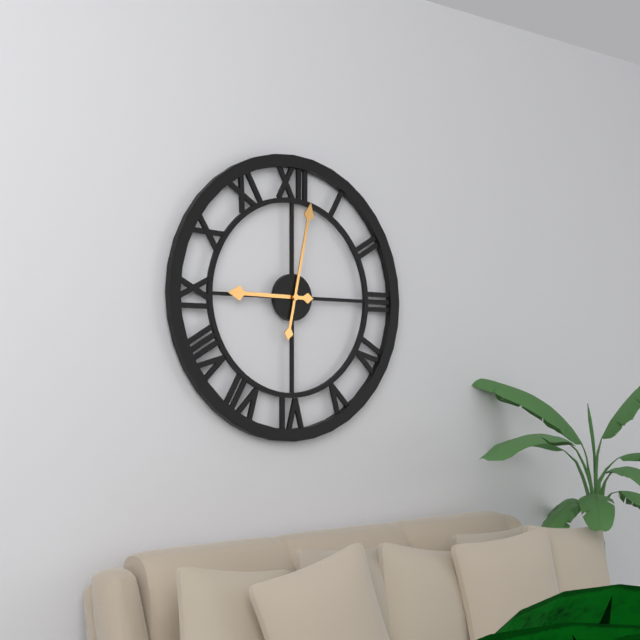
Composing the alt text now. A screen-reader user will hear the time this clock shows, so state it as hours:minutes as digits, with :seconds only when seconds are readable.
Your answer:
9:02
